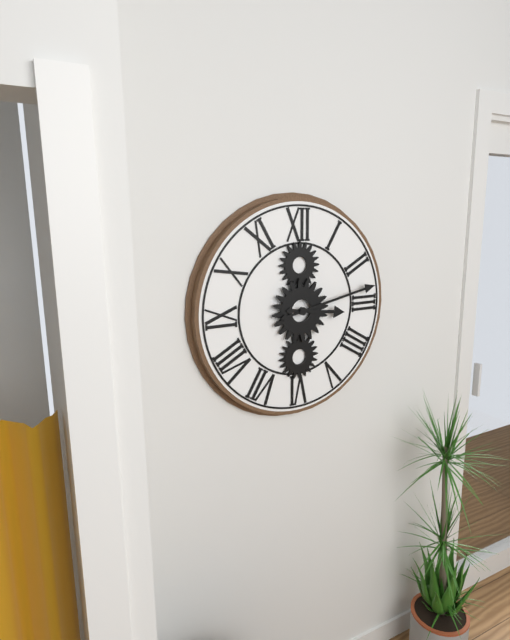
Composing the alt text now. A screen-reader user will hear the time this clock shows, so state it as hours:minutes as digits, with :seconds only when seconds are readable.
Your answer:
3:13
